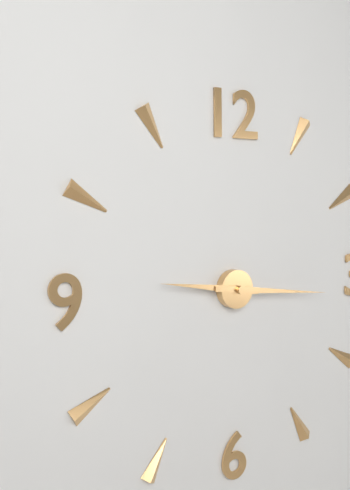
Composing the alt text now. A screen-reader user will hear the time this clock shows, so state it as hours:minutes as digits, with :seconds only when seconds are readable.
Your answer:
9:16
